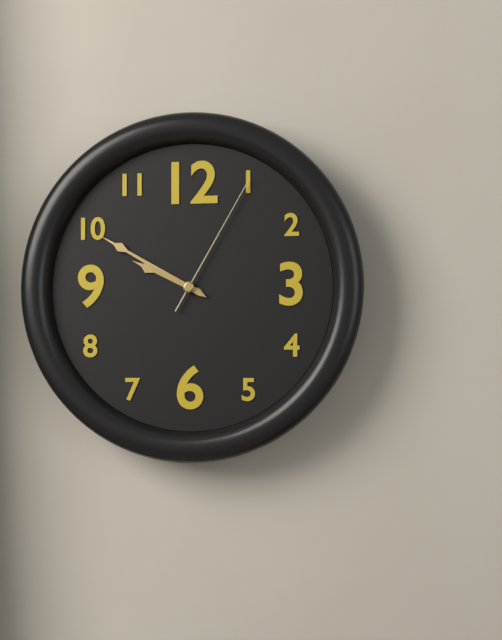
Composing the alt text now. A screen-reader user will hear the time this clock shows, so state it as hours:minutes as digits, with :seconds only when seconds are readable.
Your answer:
9:50:05
